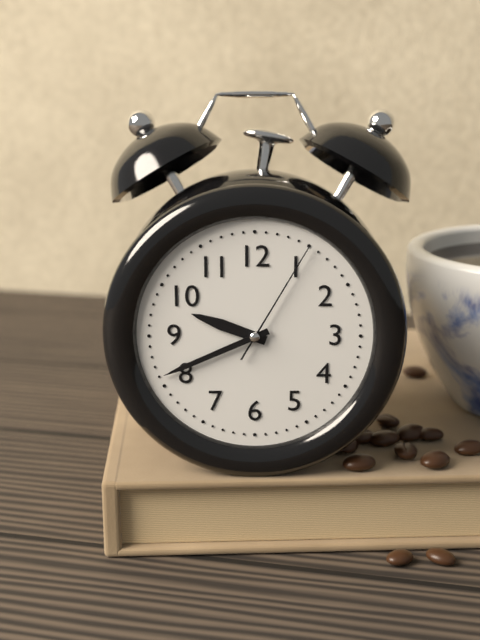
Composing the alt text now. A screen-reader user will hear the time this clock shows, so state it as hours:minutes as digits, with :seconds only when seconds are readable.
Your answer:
9:41:05
